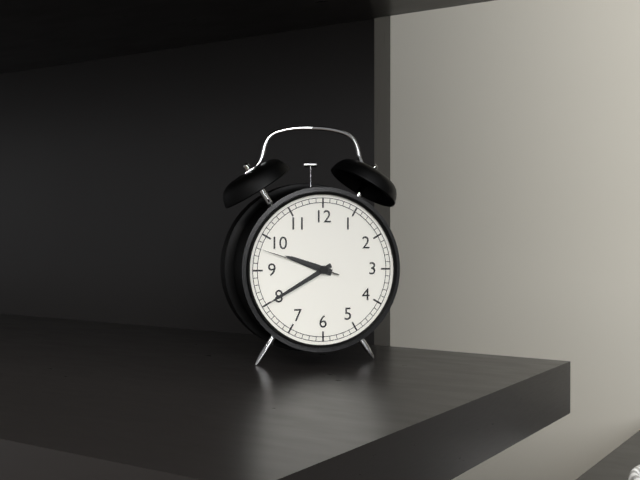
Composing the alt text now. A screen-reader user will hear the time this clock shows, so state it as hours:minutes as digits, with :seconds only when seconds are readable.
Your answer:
9:40:48
